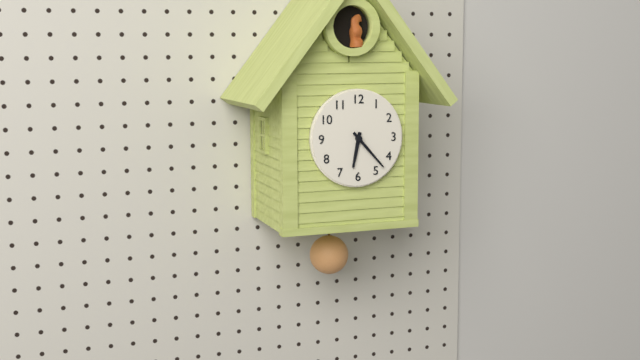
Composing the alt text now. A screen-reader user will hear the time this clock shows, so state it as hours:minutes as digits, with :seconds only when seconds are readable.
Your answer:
6:23
